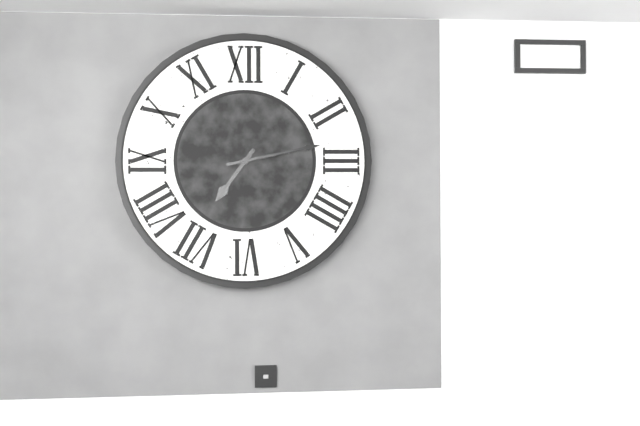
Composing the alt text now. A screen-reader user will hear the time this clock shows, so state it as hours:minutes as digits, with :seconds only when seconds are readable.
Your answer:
7:13
